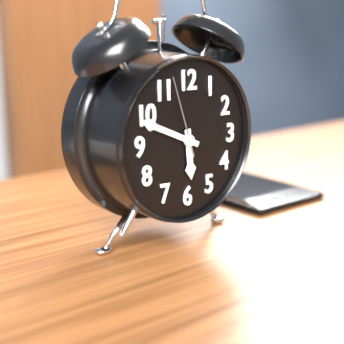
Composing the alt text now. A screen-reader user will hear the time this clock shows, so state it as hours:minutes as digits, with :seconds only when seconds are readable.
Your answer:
5:49:57
